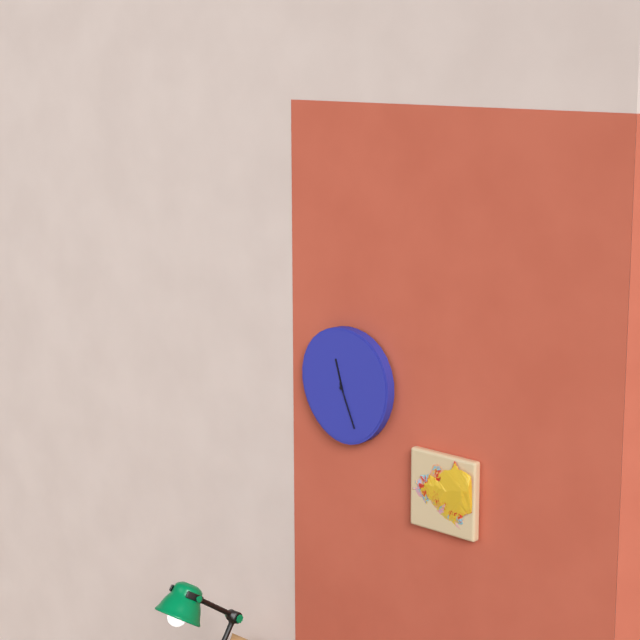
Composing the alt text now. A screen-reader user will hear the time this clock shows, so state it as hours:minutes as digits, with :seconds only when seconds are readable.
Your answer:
11:26
